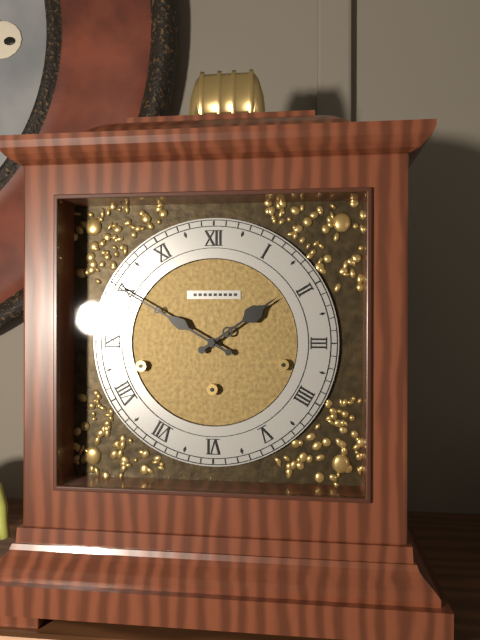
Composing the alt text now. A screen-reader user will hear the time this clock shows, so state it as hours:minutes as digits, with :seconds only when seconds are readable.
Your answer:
1:50
